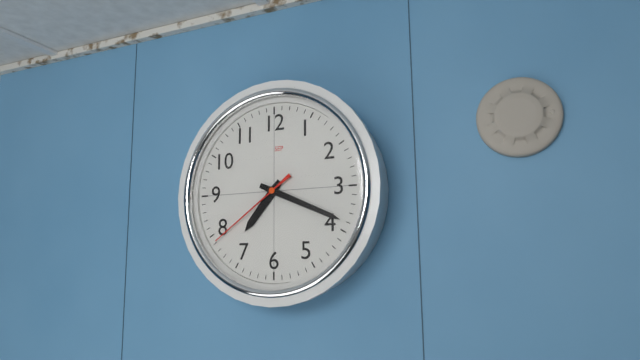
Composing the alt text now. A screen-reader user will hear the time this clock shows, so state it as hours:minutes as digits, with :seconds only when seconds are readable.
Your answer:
7:19:39
